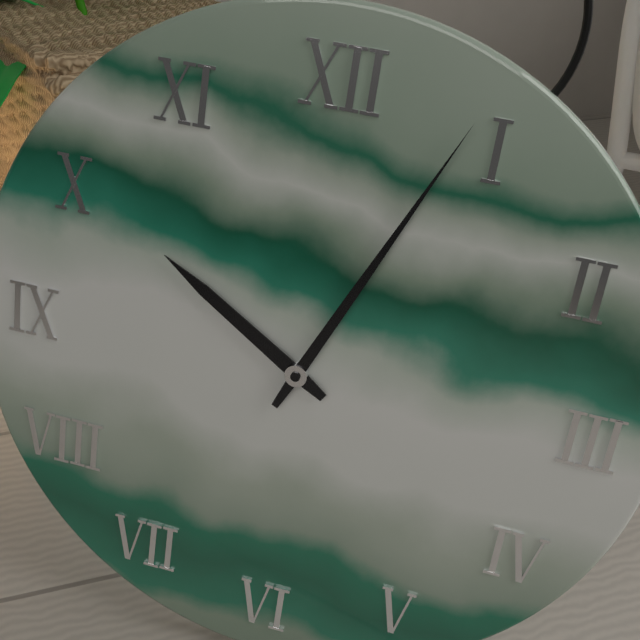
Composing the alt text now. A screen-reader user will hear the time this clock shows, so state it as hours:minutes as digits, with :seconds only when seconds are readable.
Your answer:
10:04
